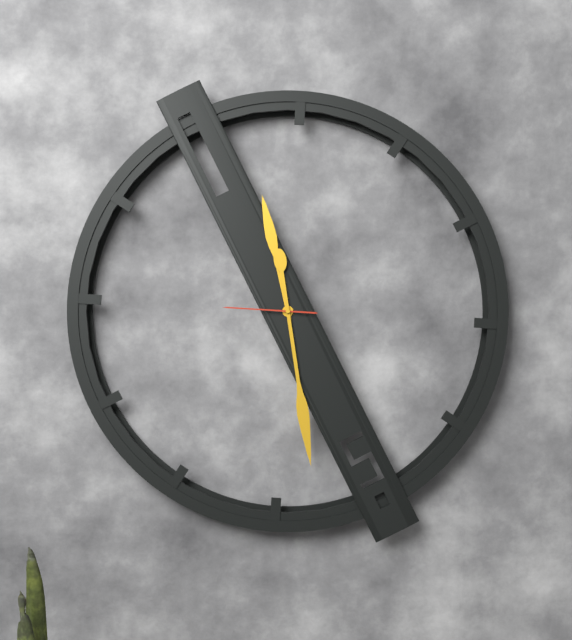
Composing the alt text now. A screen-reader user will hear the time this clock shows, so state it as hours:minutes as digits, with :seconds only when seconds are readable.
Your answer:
11:28:45
